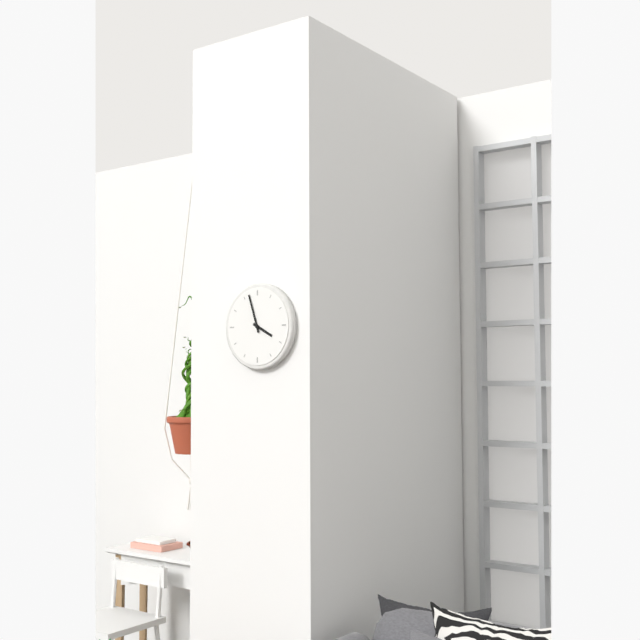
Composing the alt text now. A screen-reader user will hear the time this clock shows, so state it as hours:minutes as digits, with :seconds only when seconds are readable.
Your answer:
3:57
